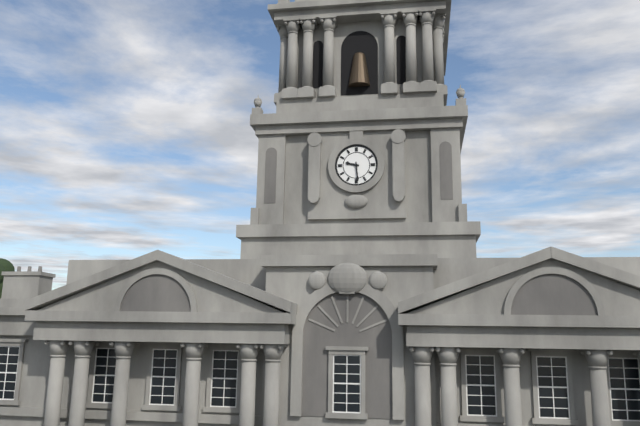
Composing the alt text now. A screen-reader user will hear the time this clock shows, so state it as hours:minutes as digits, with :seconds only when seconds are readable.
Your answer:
9:29
